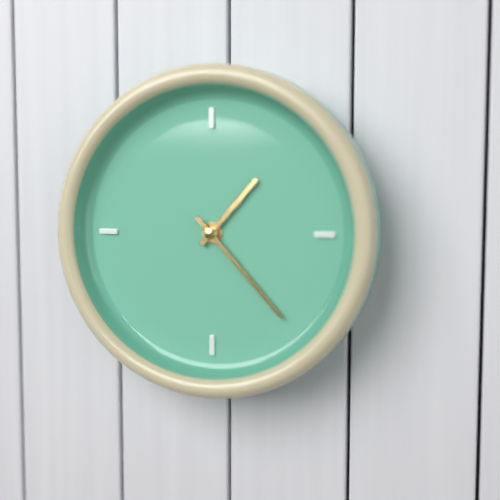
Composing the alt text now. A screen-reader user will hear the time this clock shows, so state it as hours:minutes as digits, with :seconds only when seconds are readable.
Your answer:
1:23
